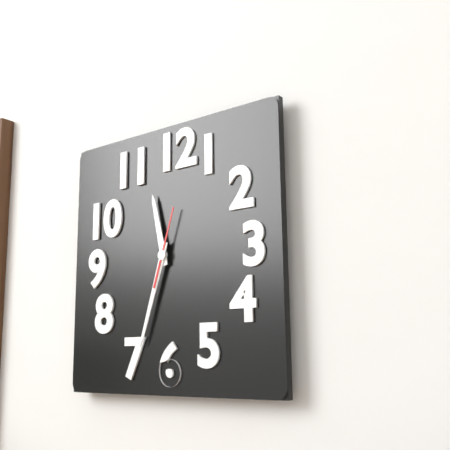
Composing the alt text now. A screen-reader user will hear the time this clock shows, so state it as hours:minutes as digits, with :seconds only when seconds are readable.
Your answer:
11:33:03
